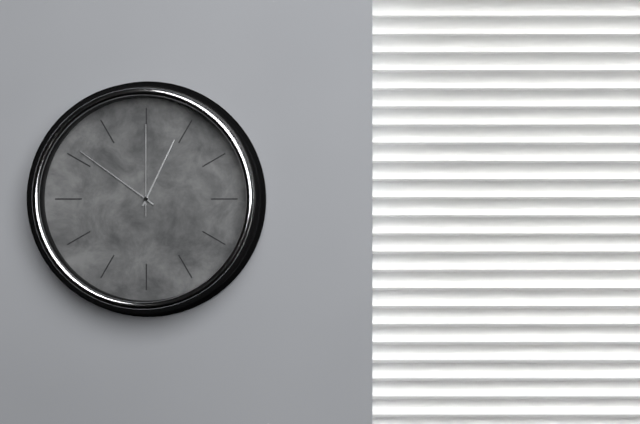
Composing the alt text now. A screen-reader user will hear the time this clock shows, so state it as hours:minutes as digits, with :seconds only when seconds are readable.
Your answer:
12:51:00
